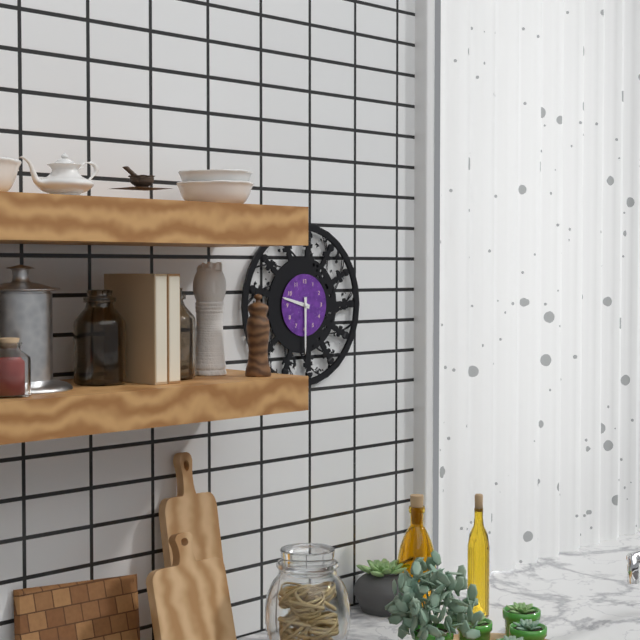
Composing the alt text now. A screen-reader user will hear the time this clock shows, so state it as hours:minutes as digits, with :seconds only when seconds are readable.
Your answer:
9:30
